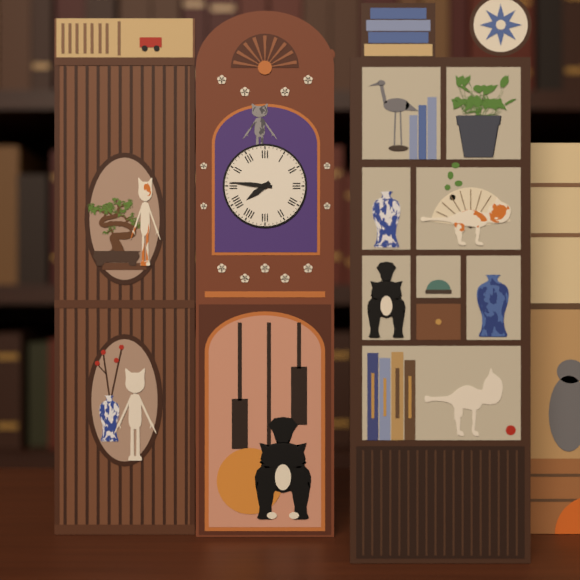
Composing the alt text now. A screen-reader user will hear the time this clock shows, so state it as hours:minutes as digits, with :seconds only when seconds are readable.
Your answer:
7:46
